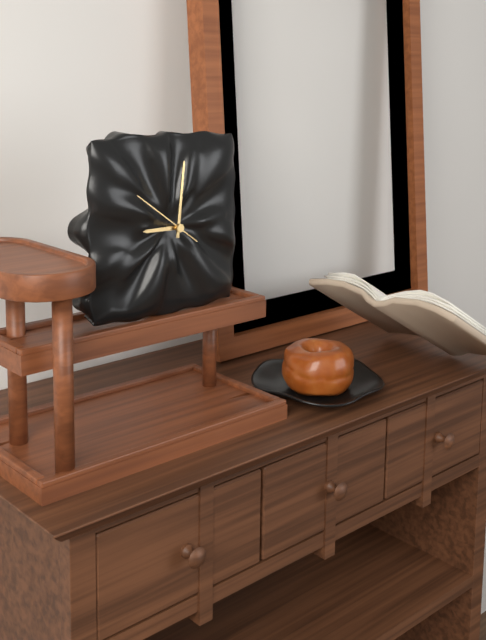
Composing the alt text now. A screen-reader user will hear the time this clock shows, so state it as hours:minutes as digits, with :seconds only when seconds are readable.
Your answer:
9:01:51
